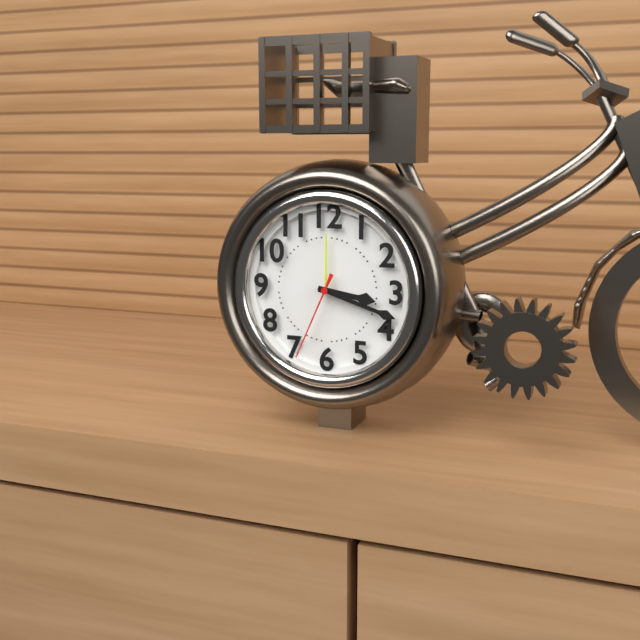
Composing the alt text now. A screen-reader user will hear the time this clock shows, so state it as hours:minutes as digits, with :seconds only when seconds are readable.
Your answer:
3:18:34
